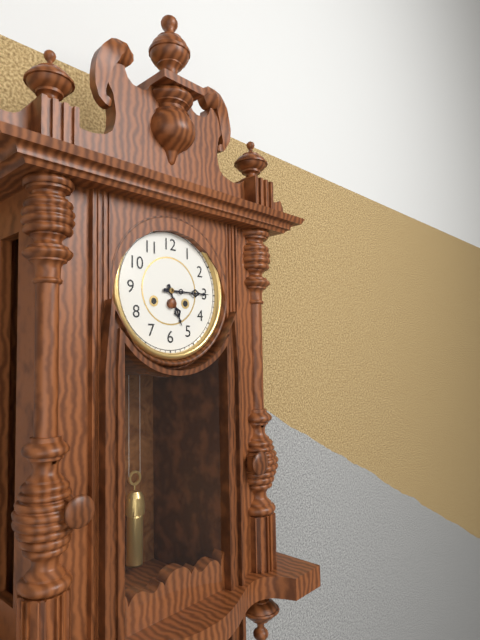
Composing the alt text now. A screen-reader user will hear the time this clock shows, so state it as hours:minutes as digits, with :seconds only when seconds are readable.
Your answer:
5:15
